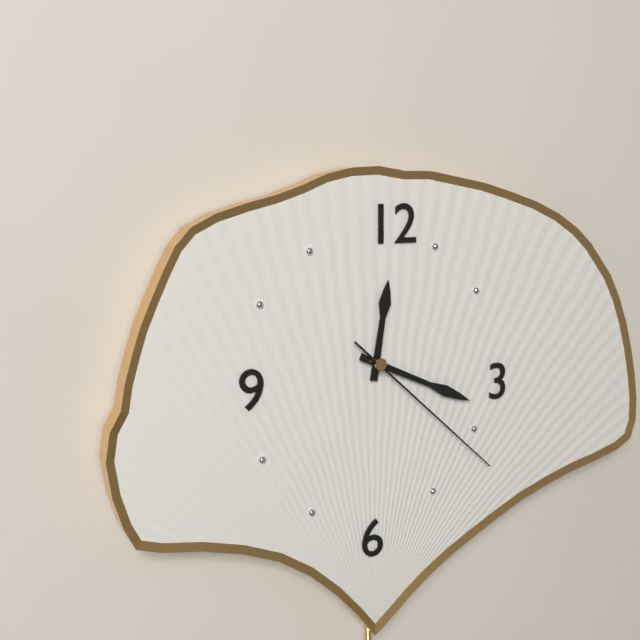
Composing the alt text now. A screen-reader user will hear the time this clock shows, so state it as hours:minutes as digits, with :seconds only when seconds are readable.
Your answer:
12:19:22
